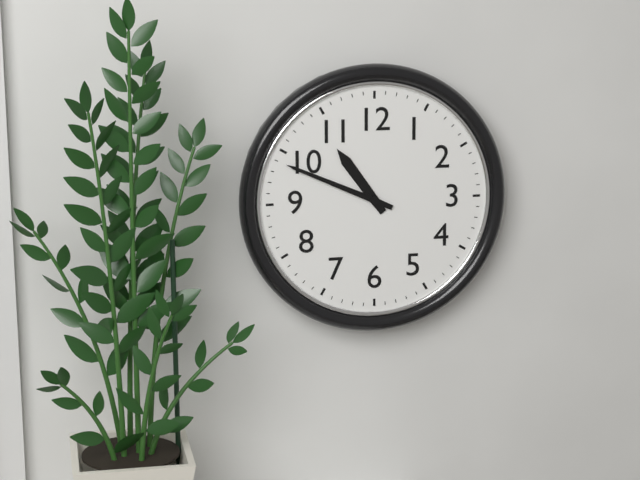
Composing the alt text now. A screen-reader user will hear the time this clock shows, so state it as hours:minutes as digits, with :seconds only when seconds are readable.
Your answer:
10:49
